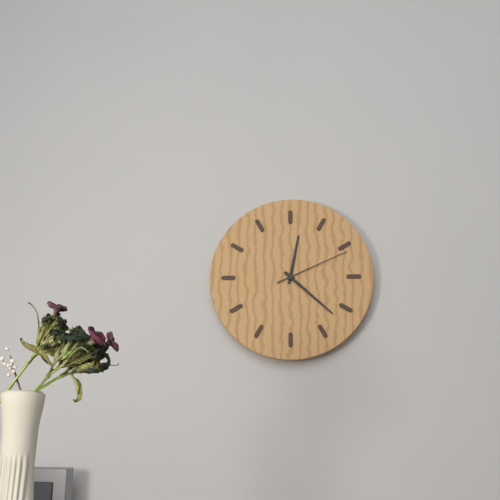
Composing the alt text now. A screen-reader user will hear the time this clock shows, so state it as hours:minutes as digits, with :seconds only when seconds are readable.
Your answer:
12:22:11
